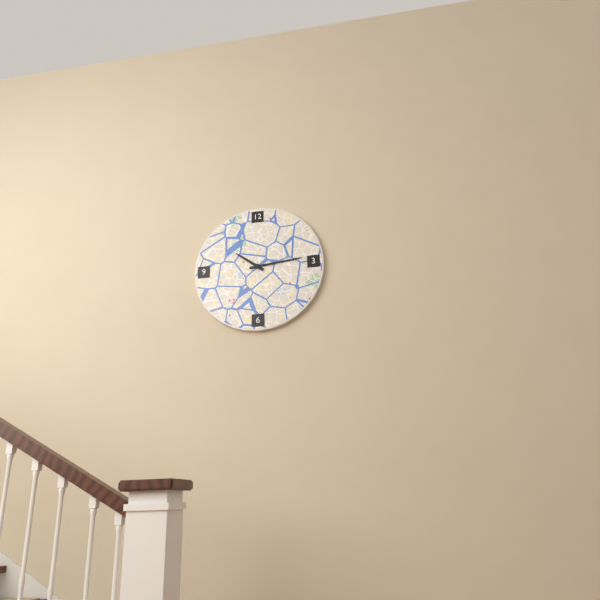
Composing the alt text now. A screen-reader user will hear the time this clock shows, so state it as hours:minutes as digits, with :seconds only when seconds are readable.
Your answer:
10:14
